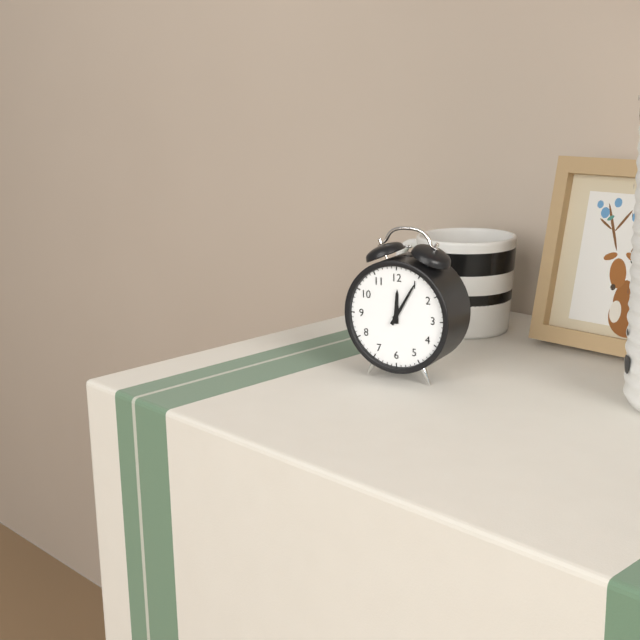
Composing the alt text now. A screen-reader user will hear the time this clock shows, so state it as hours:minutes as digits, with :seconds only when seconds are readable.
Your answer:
12:05
